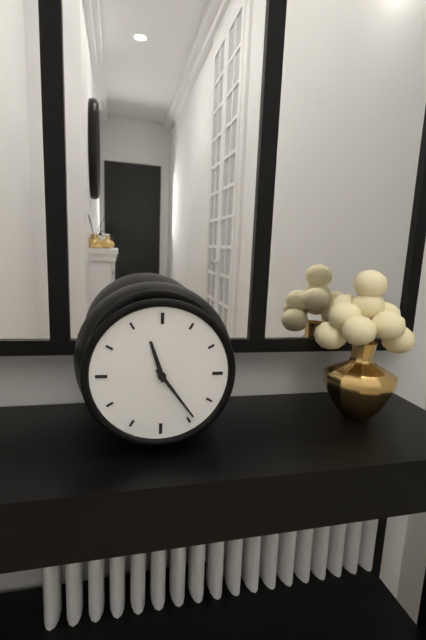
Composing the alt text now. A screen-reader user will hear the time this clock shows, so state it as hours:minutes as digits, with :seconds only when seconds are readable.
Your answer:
11:24
